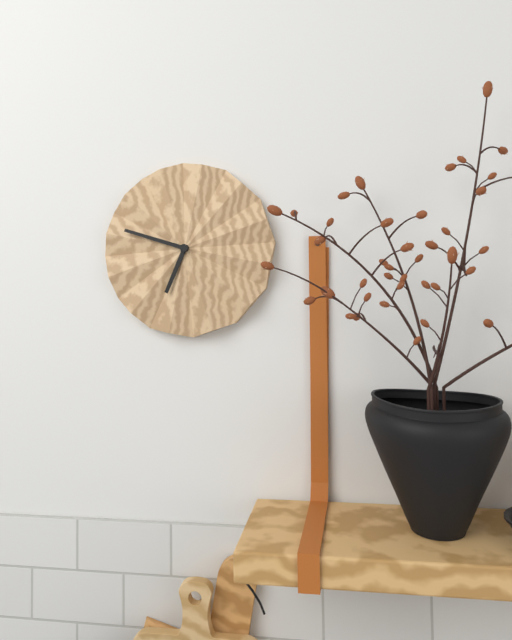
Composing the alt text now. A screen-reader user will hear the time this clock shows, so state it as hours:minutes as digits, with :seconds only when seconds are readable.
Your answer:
6:48
